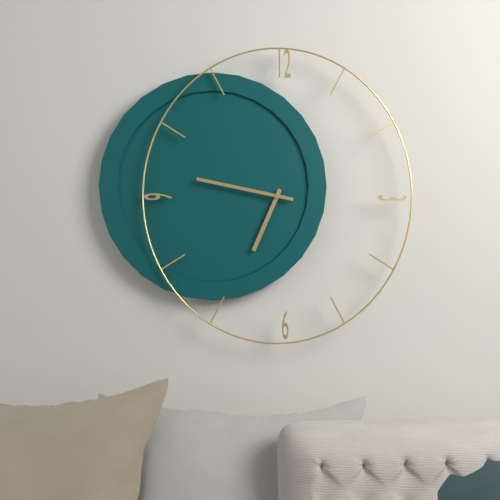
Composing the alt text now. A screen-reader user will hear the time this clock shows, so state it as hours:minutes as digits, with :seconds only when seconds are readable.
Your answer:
6:47
